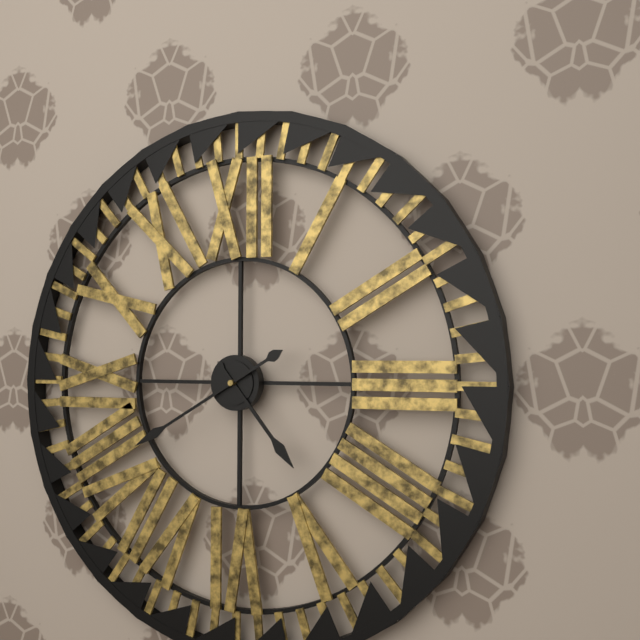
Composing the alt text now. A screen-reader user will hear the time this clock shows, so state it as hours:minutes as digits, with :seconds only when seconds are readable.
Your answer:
4:40
